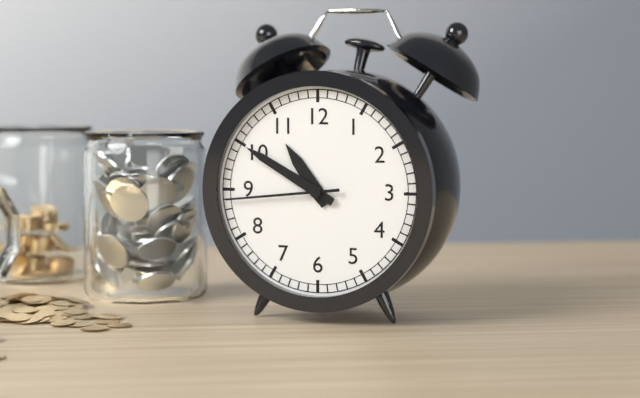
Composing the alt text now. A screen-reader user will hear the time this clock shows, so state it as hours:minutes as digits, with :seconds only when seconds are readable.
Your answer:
10:50:44
